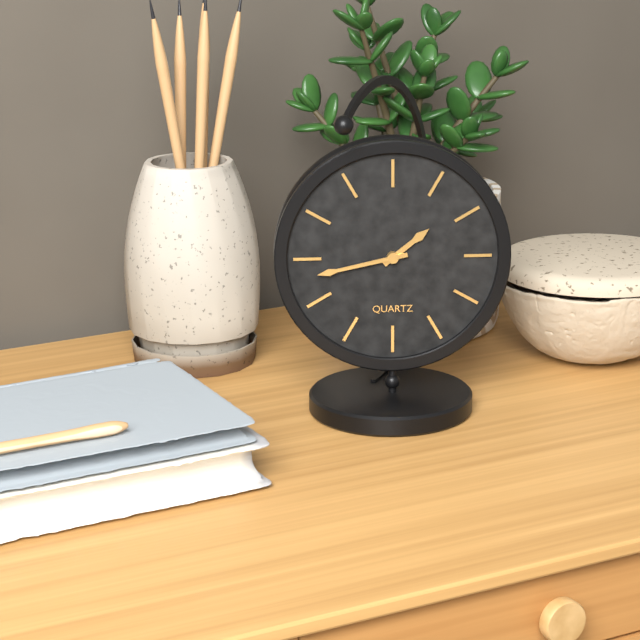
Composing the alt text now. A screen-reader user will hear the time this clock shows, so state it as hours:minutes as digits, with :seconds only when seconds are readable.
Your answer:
1:43
